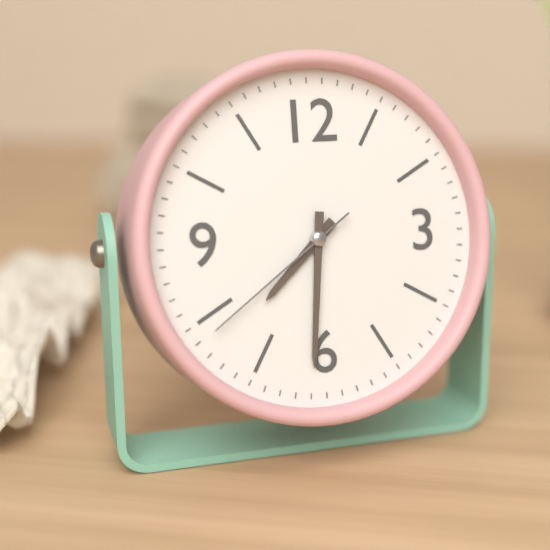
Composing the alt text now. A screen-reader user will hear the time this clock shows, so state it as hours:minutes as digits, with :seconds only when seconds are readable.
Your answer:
7:31:39
